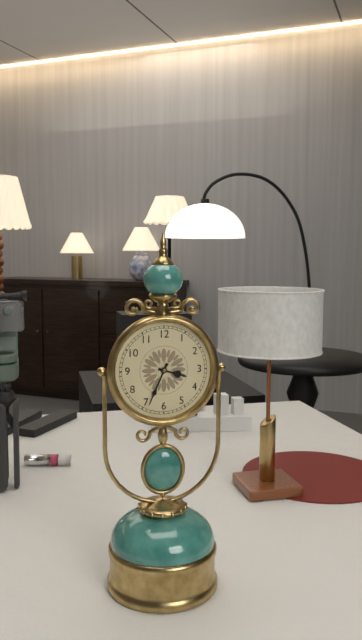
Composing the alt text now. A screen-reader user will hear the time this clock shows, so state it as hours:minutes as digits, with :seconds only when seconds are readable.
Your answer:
3:34
